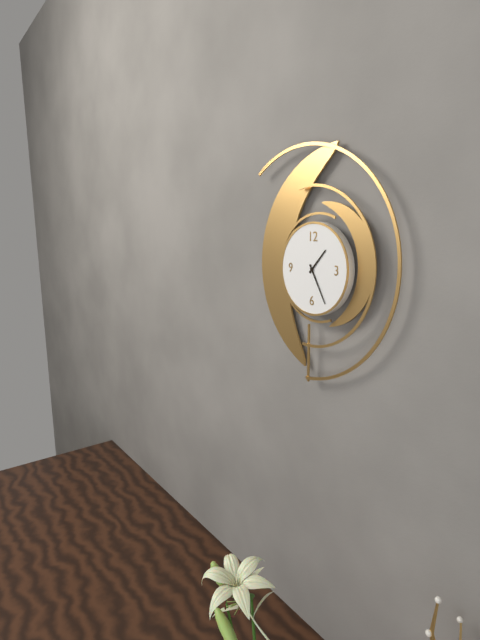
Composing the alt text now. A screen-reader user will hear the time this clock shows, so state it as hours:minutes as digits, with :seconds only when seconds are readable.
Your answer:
1:25
